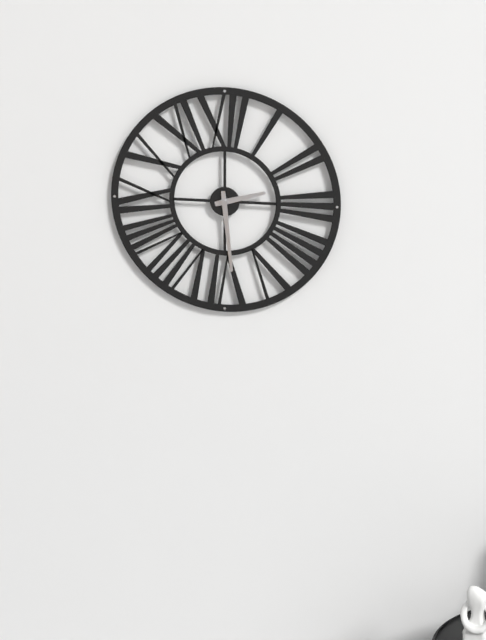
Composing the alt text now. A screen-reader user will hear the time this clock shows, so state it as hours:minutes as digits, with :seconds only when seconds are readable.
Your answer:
2:29
